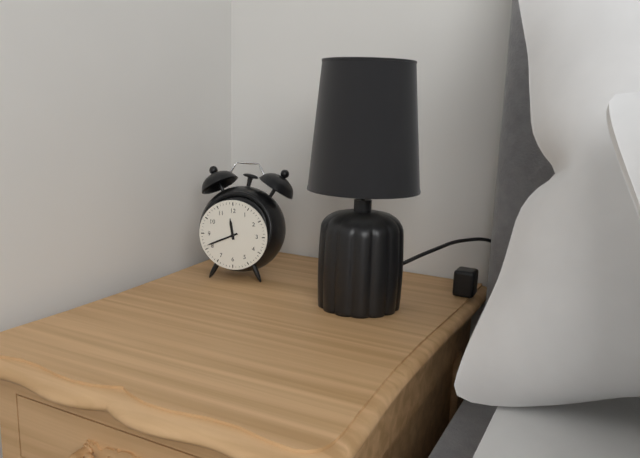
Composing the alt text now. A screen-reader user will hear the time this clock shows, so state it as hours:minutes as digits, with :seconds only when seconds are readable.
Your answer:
11:41
